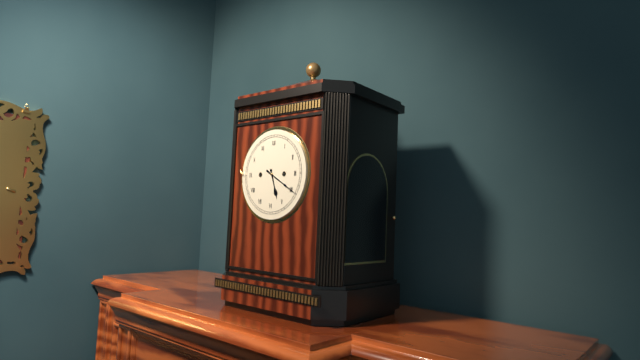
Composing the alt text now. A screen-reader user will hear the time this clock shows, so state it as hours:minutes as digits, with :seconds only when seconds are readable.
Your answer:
5:20
